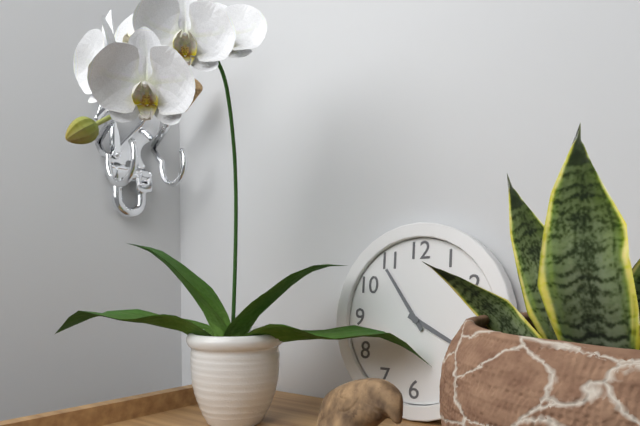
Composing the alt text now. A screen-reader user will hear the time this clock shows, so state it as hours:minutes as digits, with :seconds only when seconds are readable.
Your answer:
3:54
